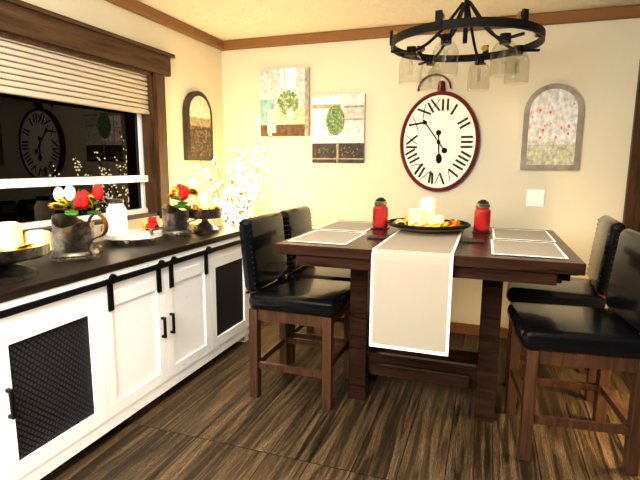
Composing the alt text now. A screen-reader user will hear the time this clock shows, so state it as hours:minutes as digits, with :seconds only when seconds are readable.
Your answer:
5:54
